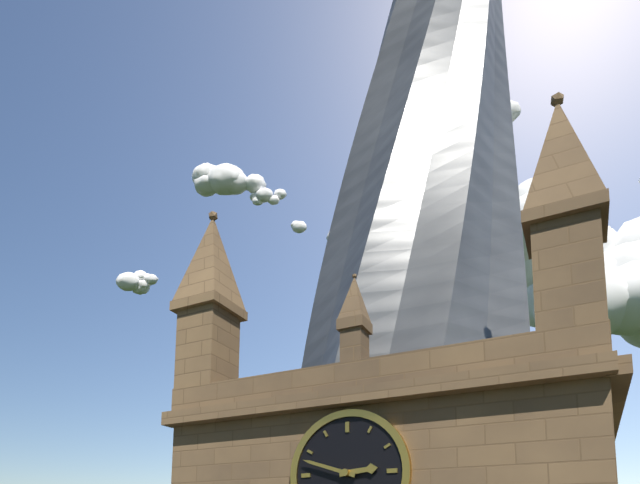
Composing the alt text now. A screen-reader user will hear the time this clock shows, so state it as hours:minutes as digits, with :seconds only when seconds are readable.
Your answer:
2:48
